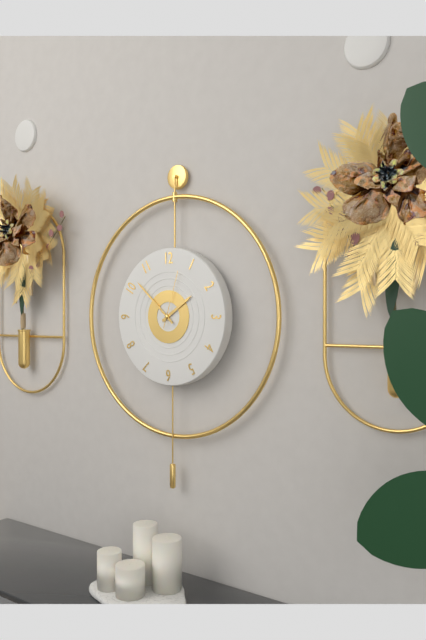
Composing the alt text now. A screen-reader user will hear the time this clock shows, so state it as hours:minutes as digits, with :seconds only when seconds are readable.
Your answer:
1:52:03
